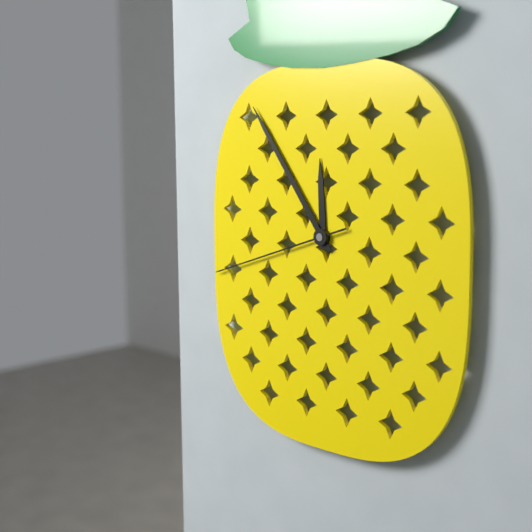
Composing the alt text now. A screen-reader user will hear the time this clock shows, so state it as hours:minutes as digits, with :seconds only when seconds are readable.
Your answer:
11:54:42
